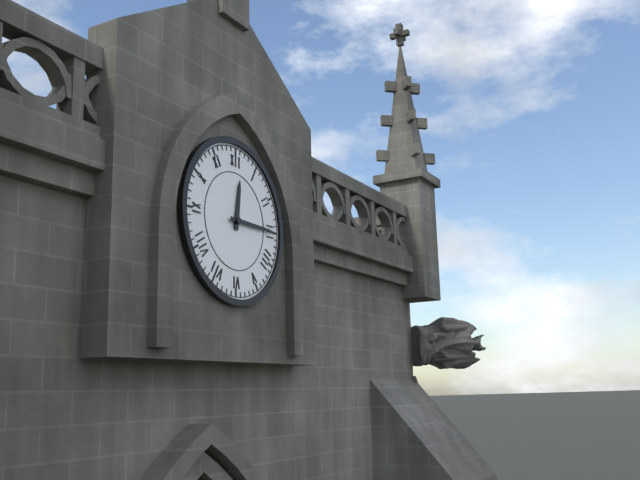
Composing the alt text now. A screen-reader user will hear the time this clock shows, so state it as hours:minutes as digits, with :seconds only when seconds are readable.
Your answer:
12:15
